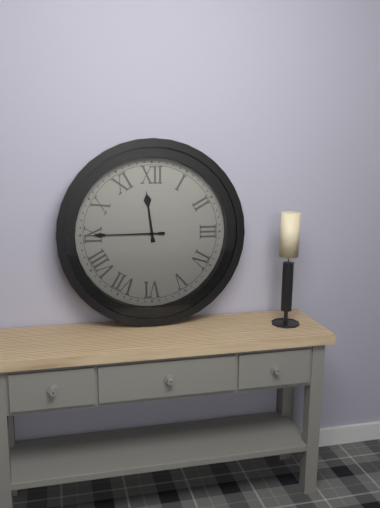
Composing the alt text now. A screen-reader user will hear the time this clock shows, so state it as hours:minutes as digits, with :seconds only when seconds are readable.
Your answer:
11:45
